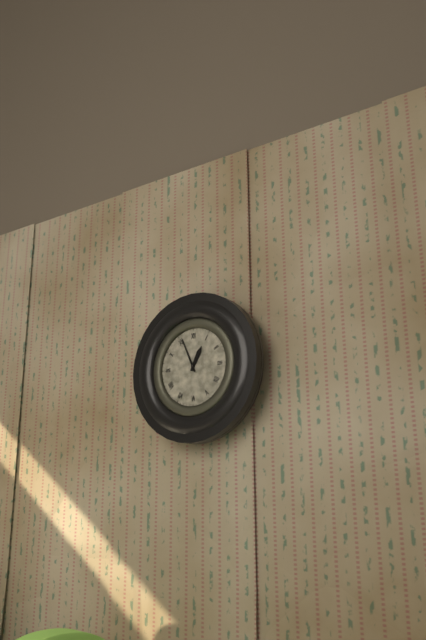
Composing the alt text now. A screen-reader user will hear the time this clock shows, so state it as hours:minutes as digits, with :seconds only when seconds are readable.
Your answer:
12:56
